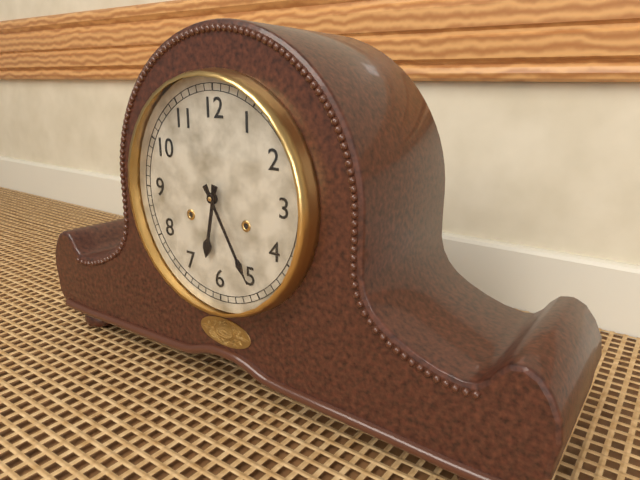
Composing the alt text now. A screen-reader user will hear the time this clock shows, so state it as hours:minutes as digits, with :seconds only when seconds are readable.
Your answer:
6:25
